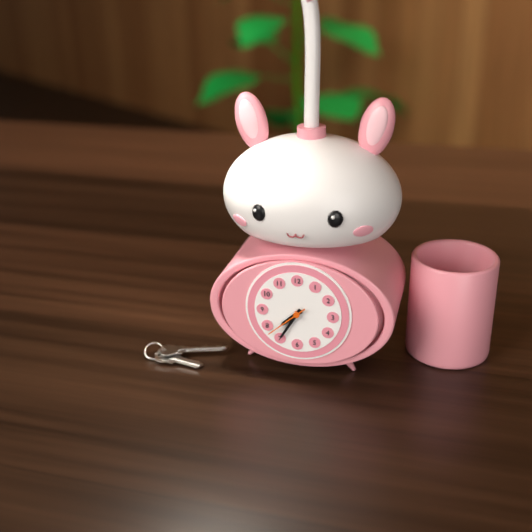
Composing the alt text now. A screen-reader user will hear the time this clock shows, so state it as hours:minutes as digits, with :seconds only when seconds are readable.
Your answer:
7:35
